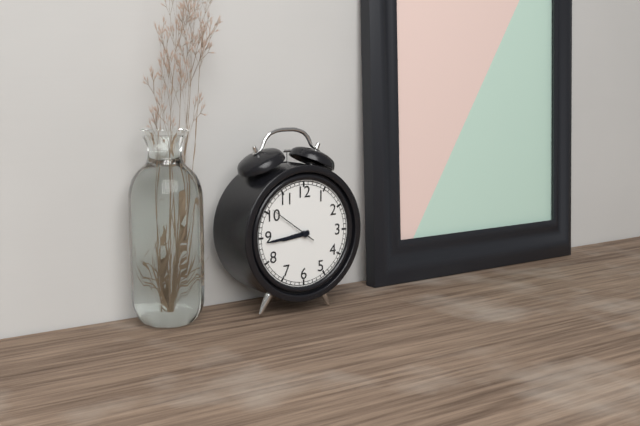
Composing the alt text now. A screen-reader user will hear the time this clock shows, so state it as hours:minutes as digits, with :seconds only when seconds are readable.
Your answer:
8:44:51
